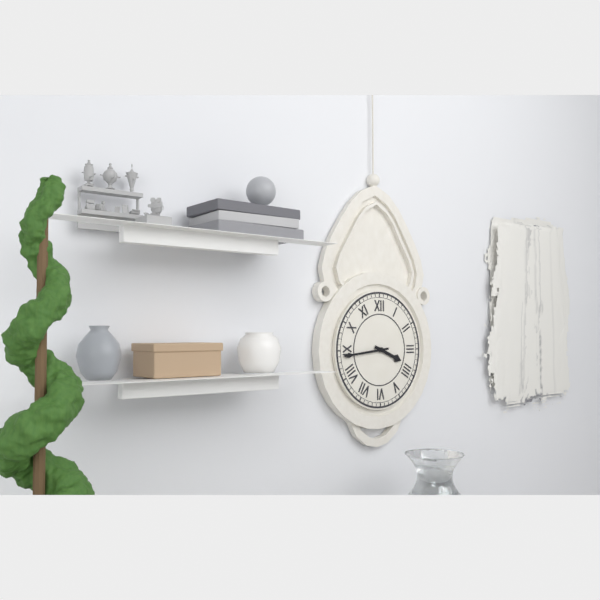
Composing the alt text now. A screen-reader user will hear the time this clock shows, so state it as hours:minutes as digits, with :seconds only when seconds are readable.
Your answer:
3:44
